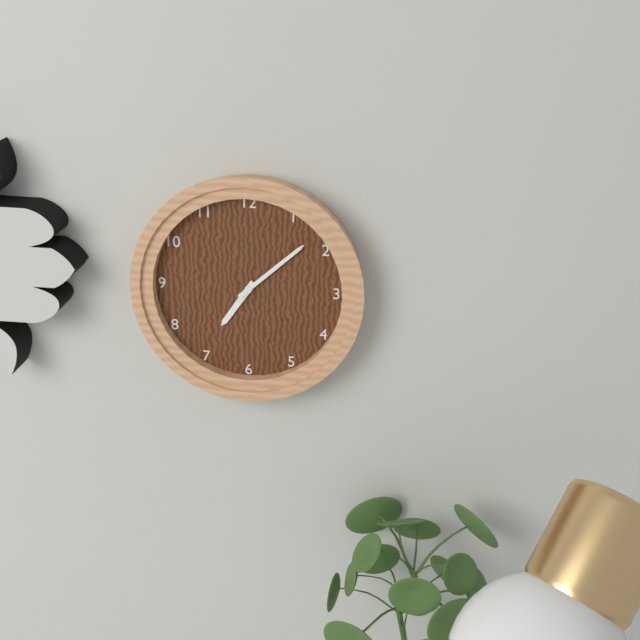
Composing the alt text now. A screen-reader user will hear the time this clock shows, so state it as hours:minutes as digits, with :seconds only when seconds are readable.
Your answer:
7:08
